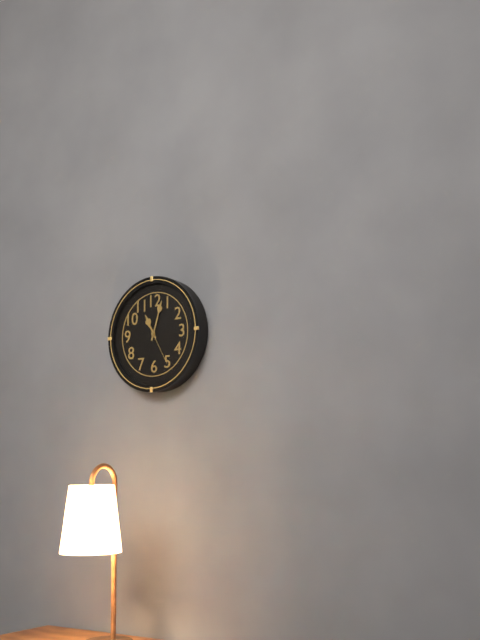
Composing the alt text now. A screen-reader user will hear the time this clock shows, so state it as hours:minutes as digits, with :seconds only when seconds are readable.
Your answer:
11:03
